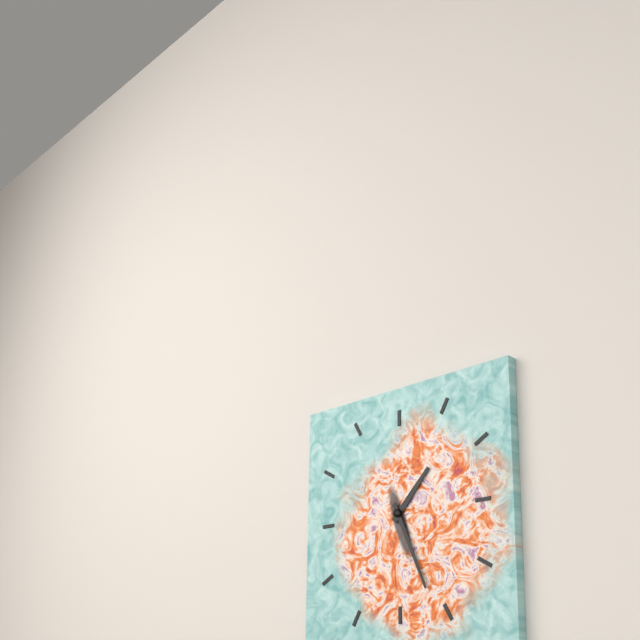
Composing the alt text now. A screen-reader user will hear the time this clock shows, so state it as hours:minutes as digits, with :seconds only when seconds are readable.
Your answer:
1:26
